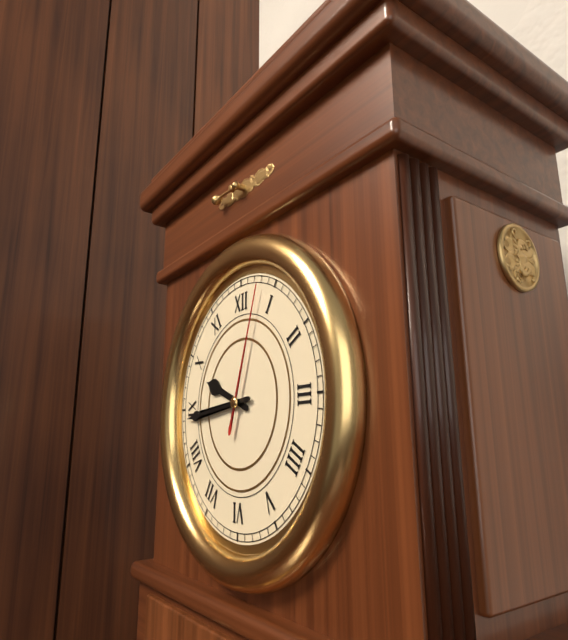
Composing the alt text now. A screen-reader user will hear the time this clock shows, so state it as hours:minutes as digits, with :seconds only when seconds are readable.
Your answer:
9:44:03
